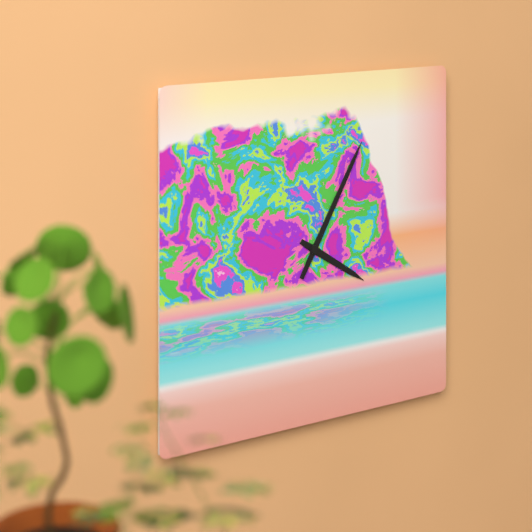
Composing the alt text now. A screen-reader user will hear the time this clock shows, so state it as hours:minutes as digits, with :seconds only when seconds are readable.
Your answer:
4:05
